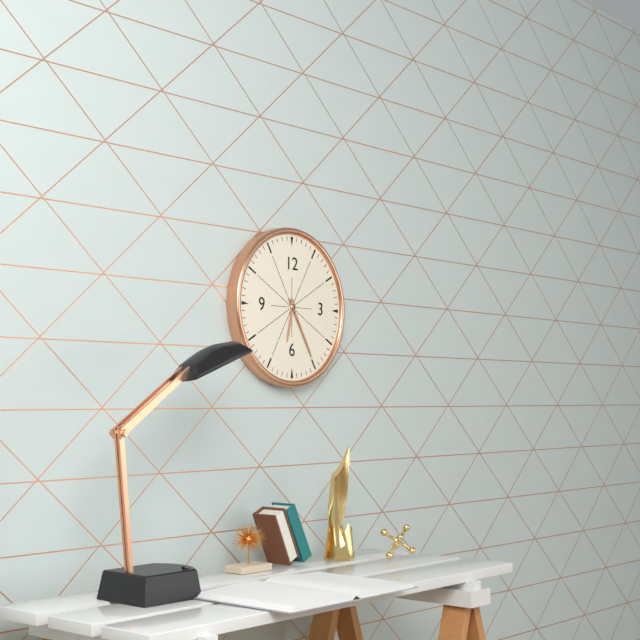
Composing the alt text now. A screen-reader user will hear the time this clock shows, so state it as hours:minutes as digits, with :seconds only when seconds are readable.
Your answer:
6:25
